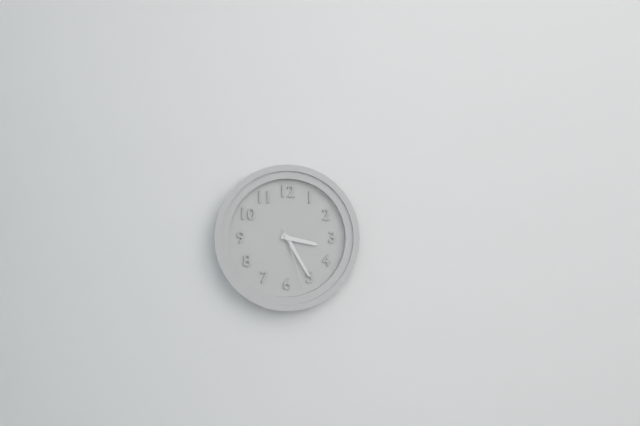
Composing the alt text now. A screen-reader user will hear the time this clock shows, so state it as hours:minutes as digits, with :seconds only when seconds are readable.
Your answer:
3:25:27
